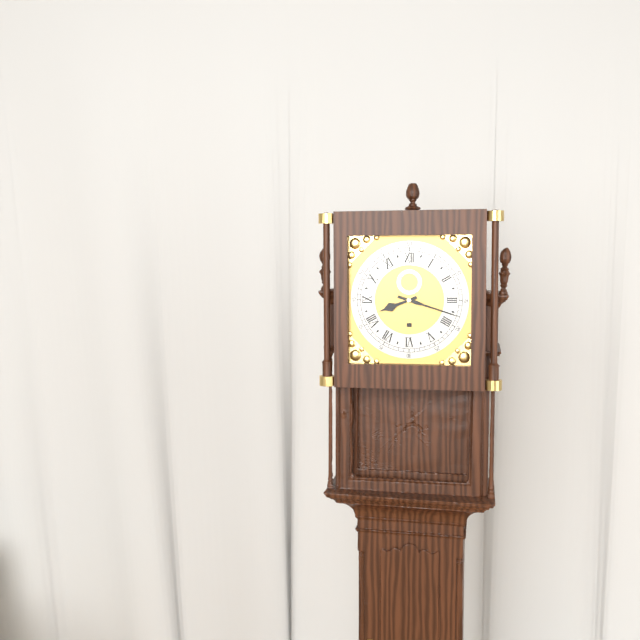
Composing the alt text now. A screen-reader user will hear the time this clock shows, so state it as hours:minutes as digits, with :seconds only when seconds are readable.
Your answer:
8:18
